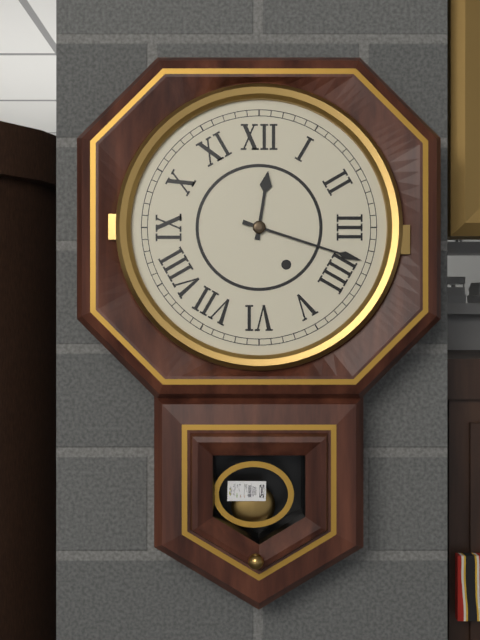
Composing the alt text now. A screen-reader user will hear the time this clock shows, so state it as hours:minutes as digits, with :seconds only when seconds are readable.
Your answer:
12:18
